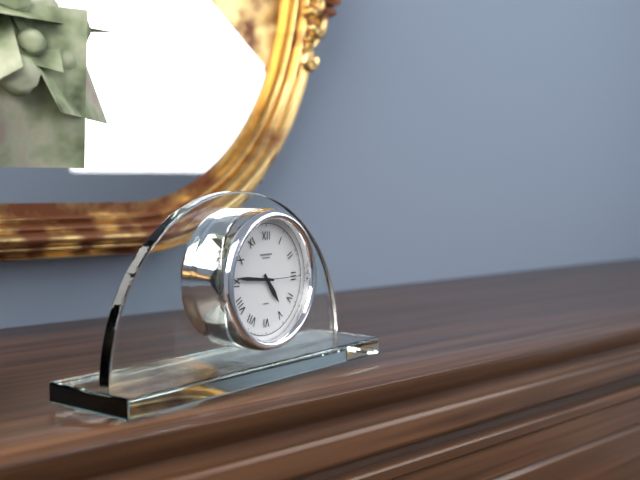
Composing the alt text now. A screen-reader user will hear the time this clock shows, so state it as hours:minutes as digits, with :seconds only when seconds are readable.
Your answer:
4:46
